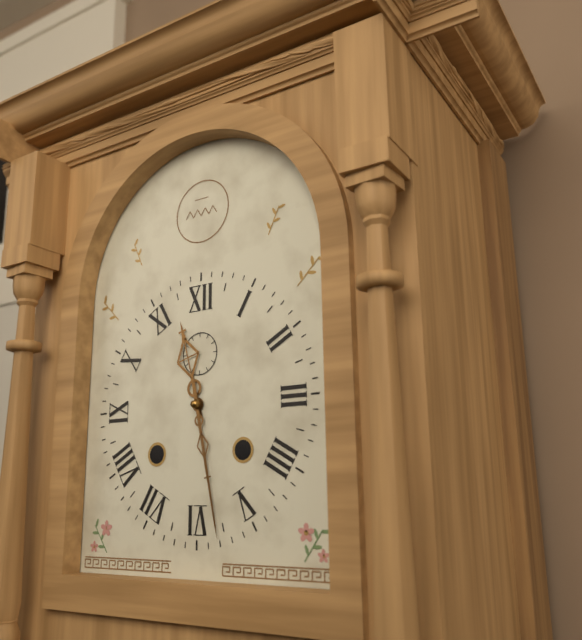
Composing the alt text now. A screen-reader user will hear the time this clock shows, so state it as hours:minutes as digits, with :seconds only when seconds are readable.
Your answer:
11:28
